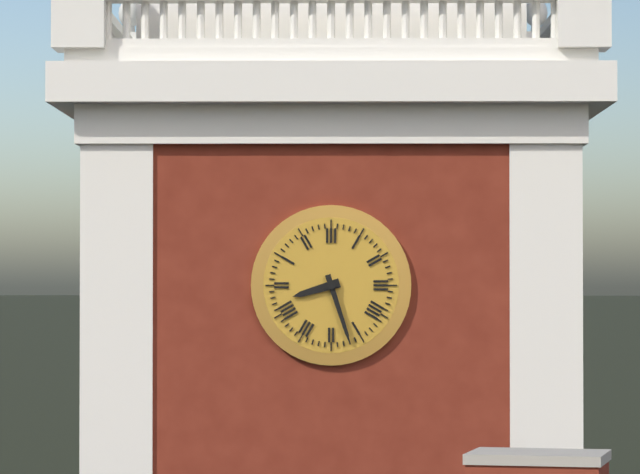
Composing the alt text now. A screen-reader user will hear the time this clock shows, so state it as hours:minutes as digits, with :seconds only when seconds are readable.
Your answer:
8:27
